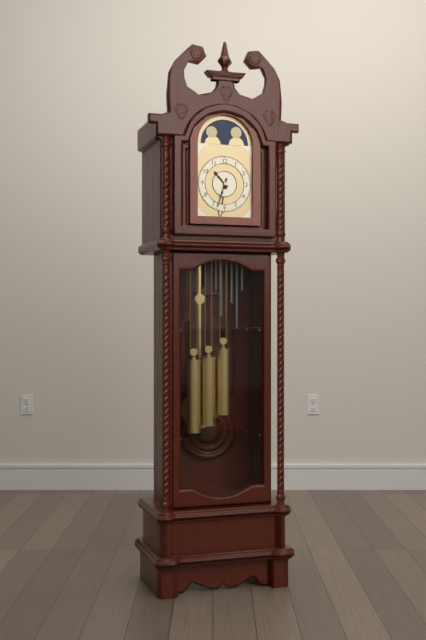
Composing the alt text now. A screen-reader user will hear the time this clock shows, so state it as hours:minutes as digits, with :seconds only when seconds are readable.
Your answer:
10:33
